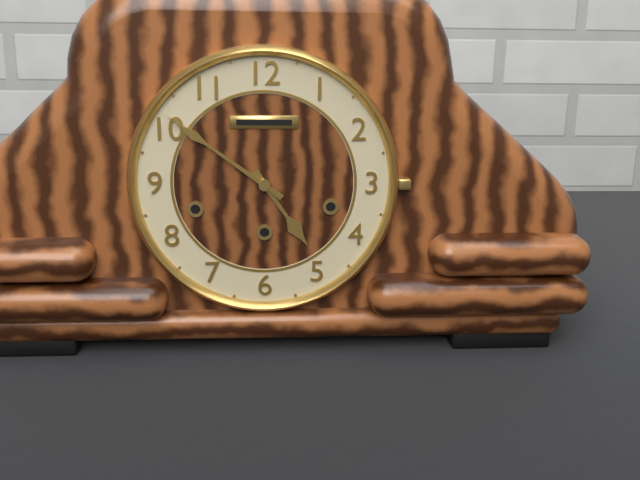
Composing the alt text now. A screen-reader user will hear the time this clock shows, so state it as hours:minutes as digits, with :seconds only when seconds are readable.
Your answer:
4:51
